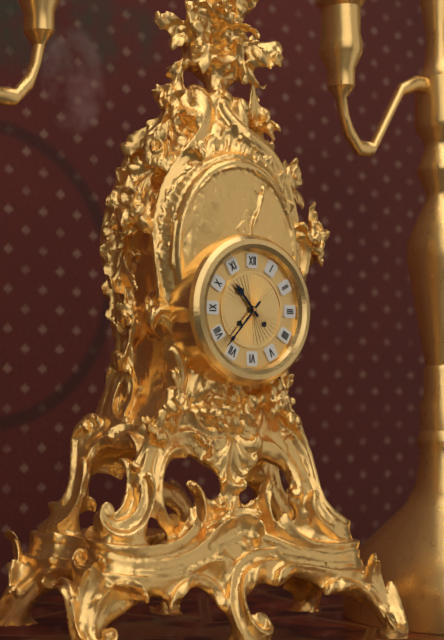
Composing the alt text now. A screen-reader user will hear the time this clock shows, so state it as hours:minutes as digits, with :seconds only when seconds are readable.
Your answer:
10:37
